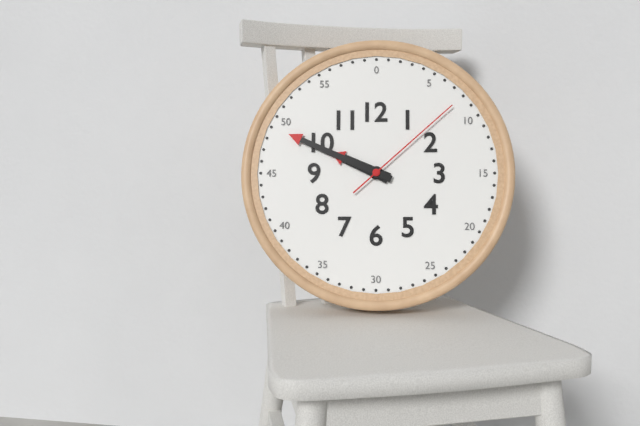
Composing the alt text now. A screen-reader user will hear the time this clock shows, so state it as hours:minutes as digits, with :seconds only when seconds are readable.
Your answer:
9:49:08
